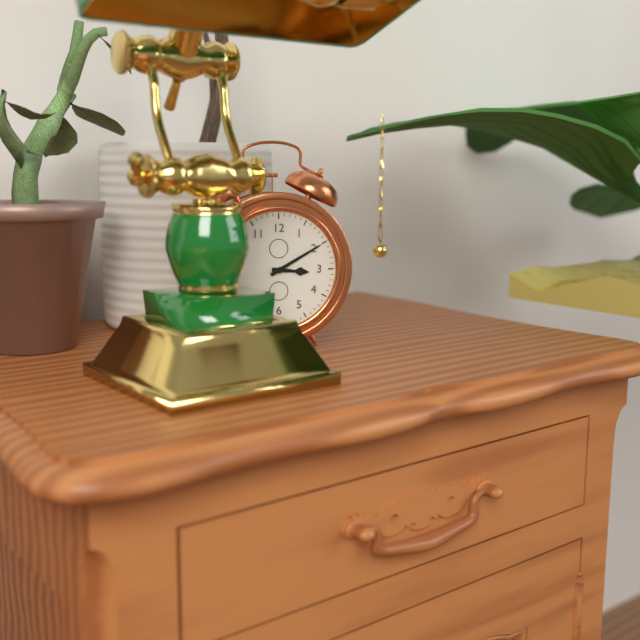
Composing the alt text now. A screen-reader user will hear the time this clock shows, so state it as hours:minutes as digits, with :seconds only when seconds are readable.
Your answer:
3:10
